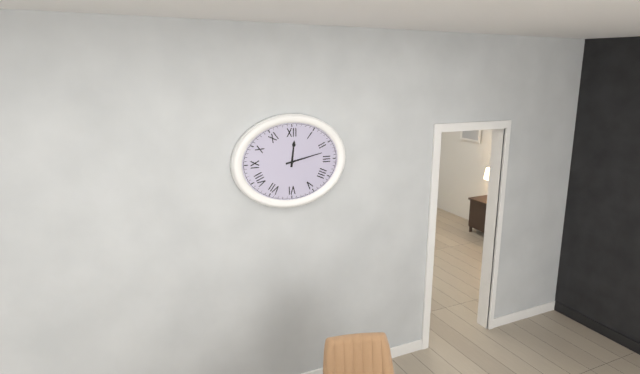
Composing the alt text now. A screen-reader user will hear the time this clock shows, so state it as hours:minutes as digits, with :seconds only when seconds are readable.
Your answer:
12:13
